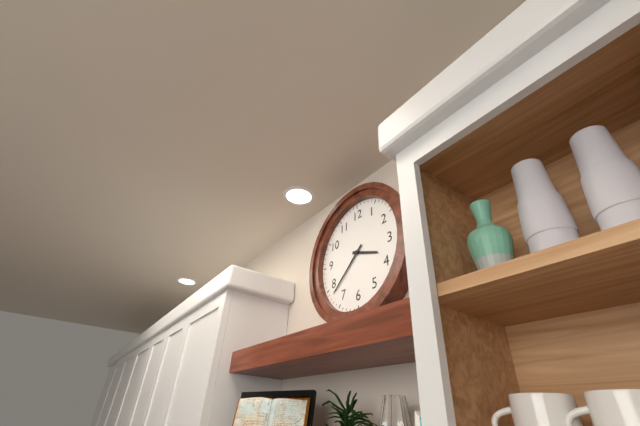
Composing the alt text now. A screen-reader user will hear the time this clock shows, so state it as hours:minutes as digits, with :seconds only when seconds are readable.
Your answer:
3:38
